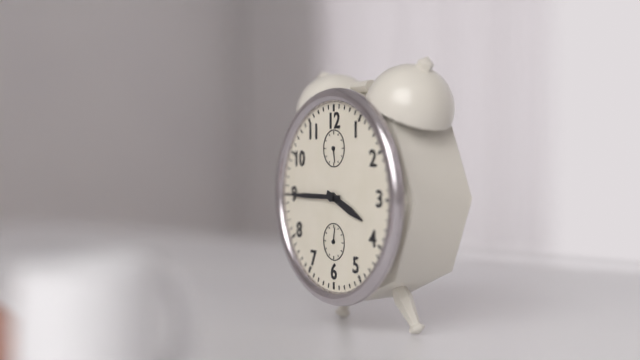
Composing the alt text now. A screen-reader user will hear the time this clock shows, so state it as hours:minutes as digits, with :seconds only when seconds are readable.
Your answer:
3:45
